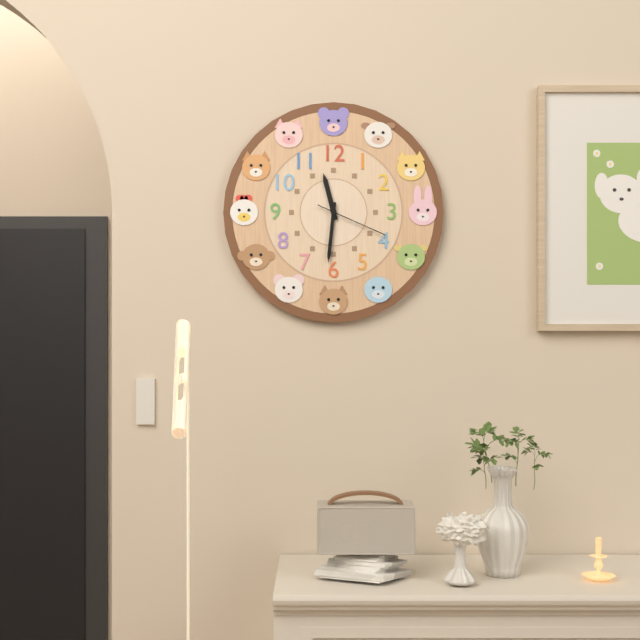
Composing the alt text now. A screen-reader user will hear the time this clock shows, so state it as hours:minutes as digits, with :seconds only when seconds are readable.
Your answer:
11:31:19
